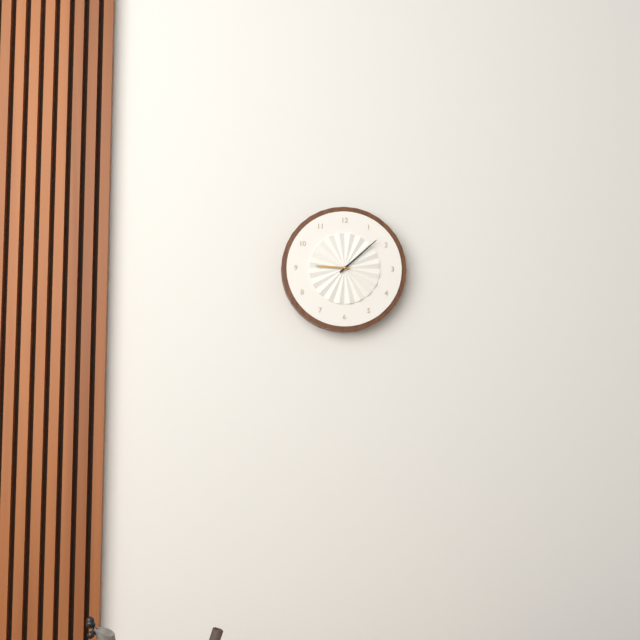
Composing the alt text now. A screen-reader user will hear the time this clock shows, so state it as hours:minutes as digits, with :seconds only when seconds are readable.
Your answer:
9:08
